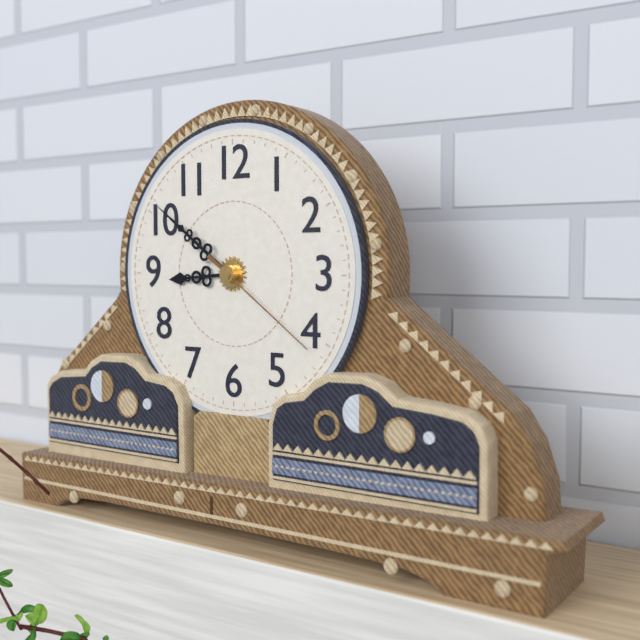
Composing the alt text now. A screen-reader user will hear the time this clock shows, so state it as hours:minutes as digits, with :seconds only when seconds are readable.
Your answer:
8:51:21
